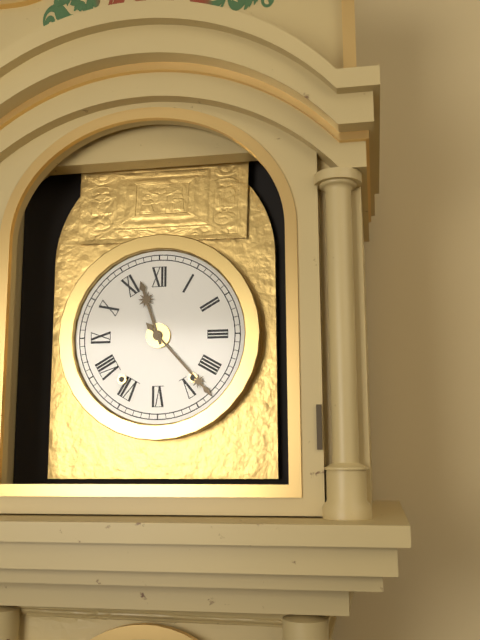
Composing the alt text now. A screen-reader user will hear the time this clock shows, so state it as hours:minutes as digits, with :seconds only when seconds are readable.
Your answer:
11:23
